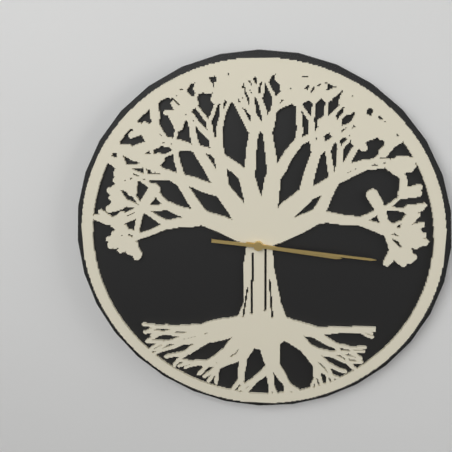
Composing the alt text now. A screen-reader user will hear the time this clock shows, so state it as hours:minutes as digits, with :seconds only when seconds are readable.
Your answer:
3:16
